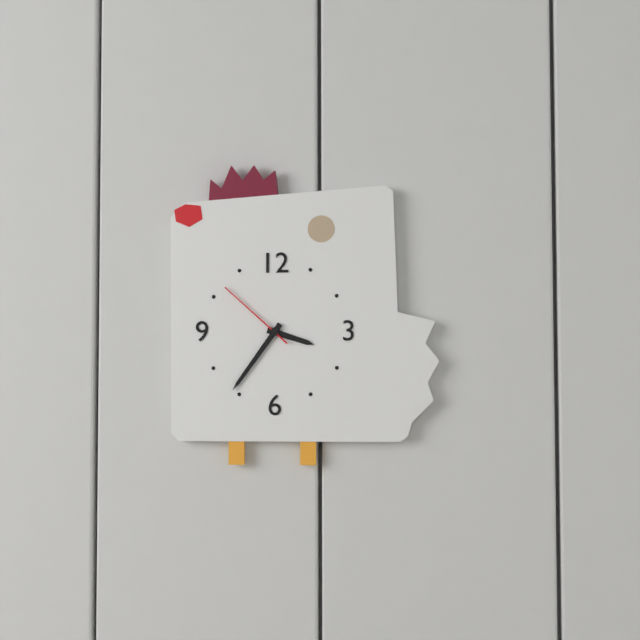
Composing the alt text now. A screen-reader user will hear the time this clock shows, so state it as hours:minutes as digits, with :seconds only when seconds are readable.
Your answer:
3:36:52
